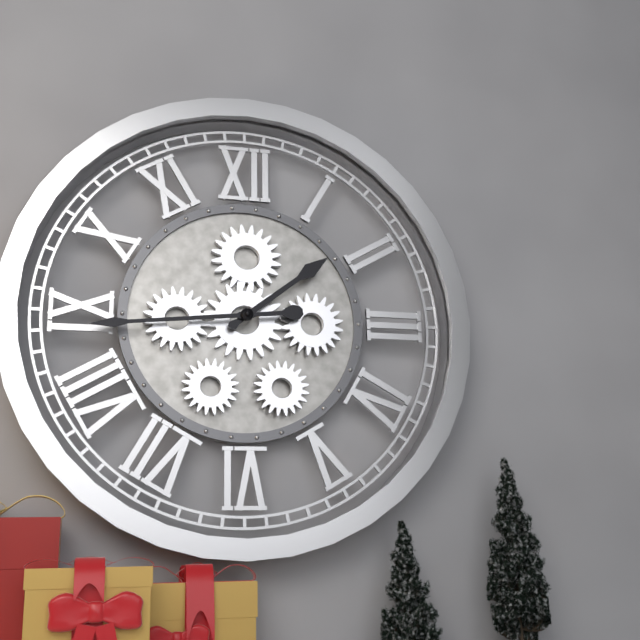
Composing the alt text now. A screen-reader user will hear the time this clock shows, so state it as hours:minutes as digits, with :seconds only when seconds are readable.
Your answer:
1:44
